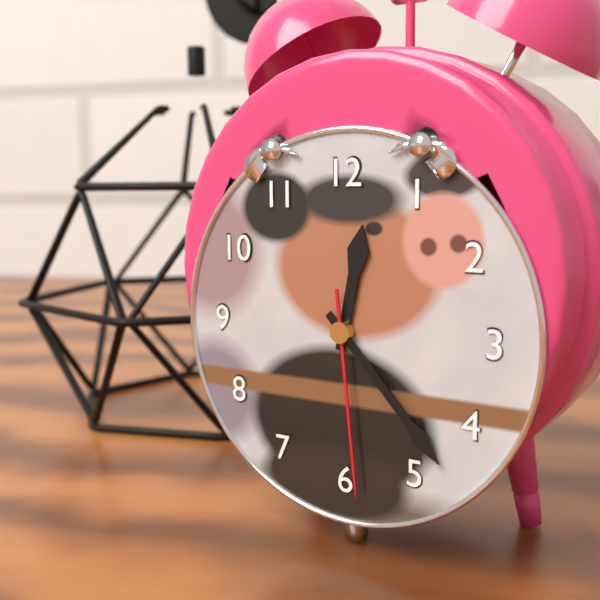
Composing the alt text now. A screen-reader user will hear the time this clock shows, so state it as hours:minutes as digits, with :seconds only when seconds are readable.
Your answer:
12:23:29
